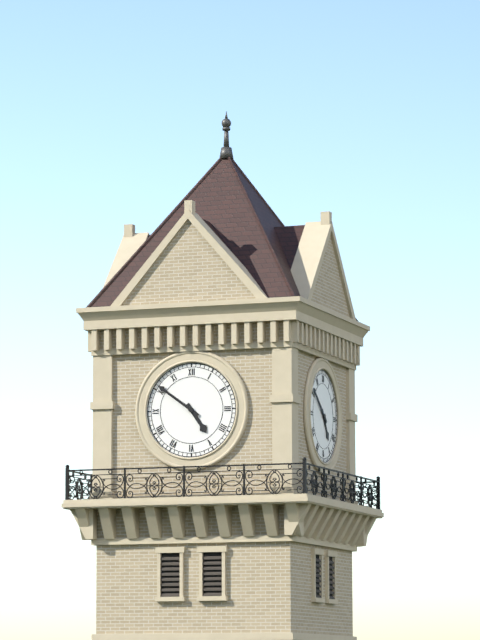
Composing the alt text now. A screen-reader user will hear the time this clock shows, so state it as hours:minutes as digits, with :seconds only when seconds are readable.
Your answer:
4:51
